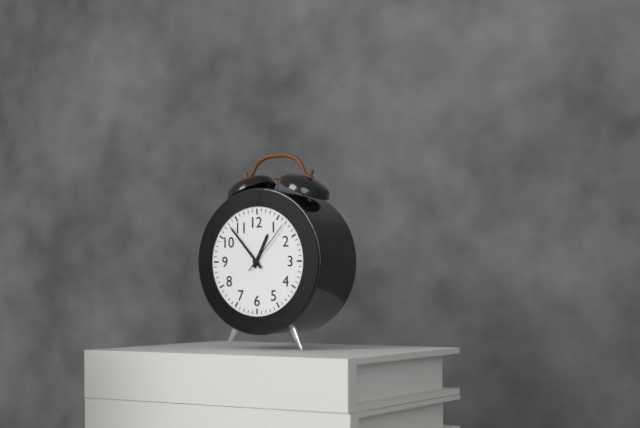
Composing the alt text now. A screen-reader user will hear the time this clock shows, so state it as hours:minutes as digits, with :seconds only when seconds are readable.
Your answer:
12:53:07
